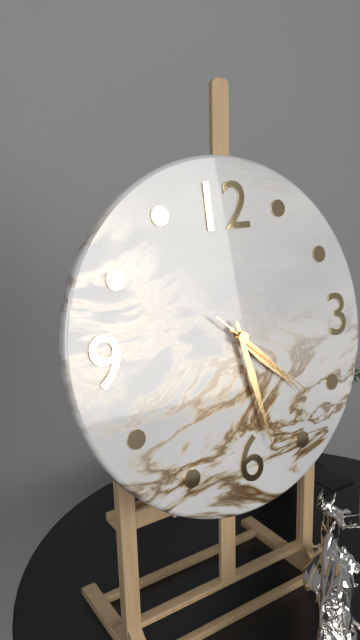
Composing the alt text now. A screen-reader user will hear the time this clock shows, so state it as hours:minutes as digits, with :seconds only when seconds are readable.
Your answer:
4:28:22
